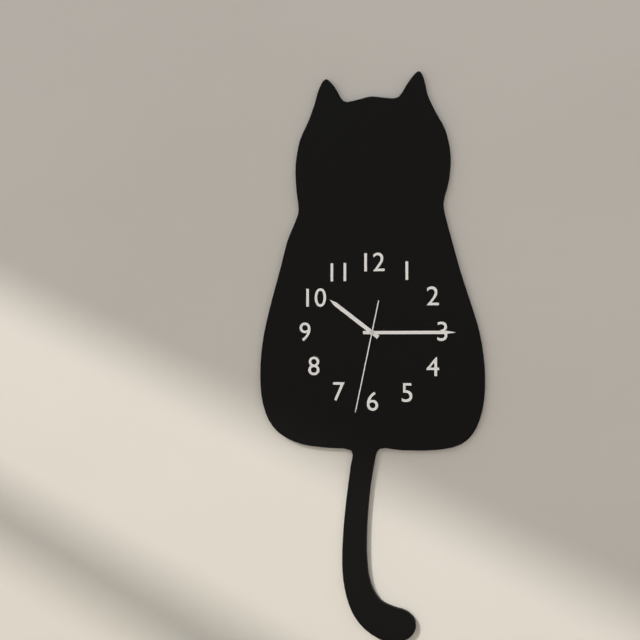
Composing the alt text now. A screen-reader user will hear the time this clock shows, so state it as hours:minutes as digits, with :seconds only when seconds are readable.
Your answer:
10:15:32
